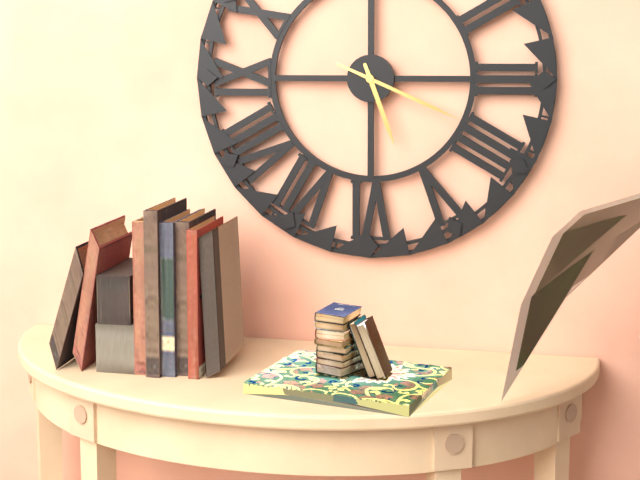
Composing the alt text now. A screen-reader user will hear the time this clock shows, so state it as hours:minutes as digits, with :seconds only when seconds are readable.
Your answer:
5:19
